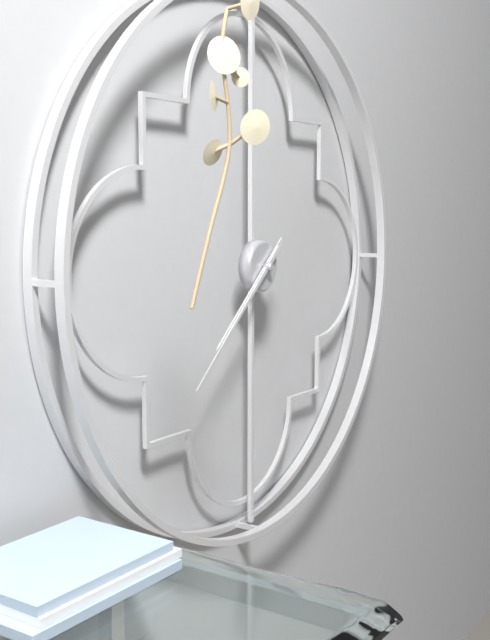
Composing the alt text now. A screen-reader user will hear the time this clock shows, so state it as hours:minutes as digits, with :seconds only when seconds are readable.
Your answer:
7:38
